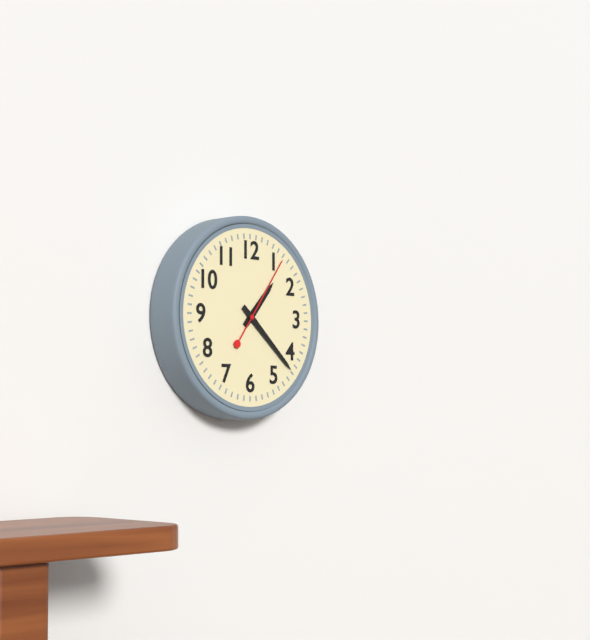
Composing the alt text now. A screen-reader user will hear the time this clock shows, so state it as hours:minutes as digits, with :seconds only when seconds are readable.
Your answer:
1:22:06
